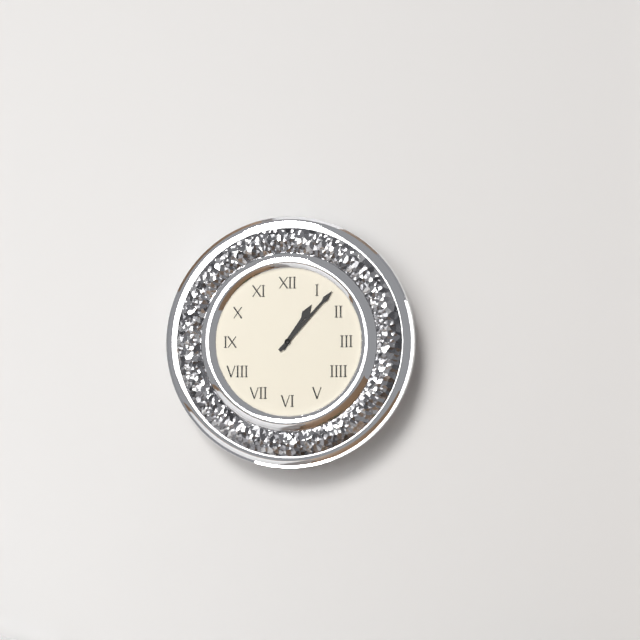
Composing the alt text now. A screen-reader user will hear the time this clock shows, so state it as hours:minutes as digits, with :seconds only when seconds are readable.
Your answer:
1:07
